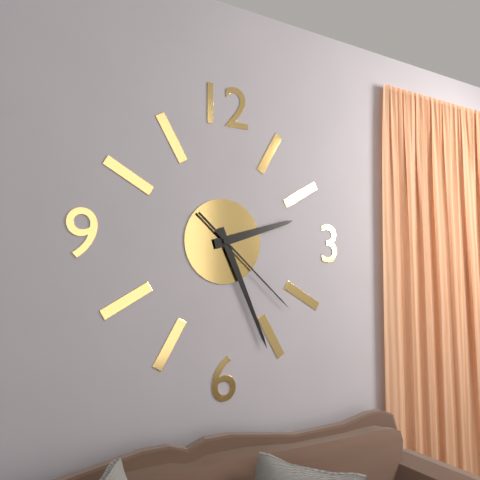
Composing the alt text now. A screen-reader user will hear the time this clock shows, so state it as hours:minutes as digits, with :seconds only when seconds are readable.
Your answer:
2:26:22
